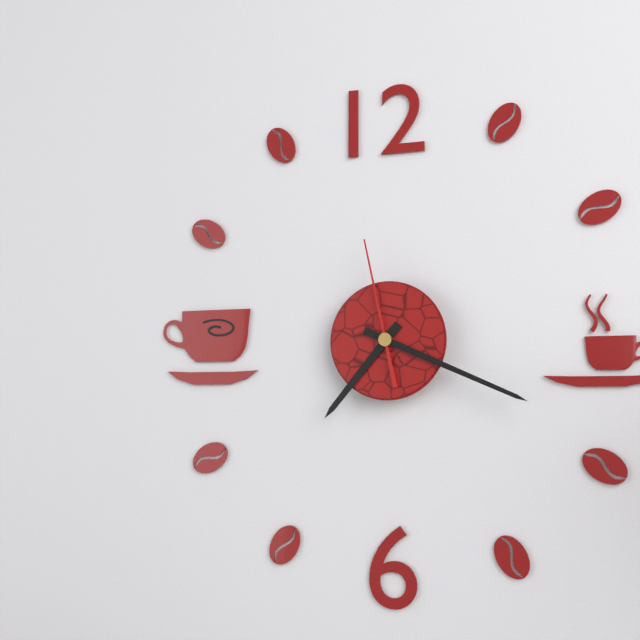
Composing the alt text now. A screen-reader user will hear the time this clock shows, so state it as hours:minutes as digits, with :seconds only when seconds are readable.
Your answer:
7:19:58
